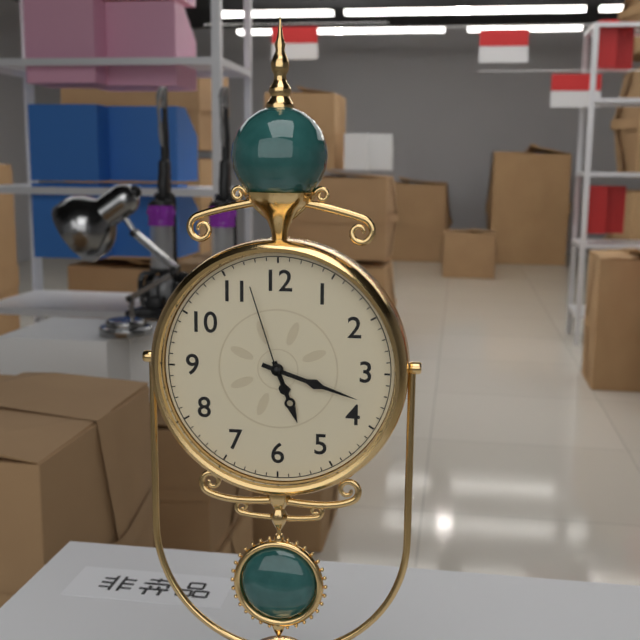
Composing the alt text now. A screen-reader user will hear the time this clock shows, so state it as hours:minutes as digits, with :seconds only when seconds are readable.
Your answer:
5:18:57
